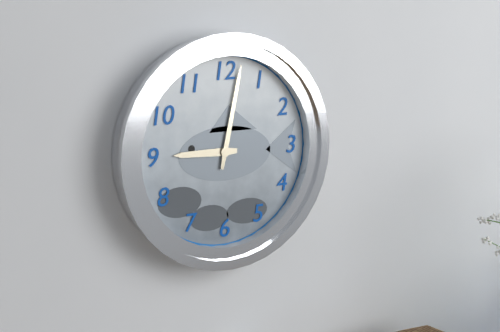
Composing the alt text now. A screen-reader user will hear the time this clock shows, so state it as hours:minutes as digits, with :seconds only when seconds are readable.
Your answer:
9:02
